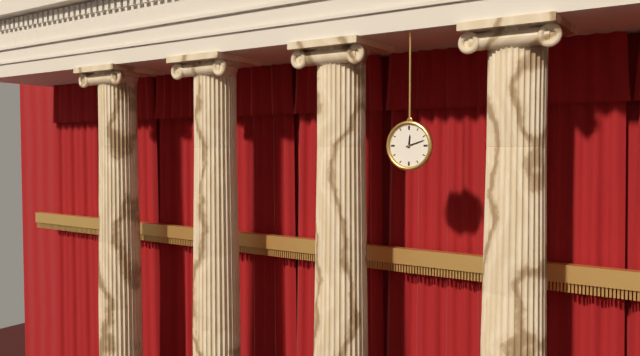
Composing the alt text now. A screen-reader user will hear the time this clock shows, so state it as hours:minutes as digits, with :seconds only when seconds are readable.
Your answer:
12:12
